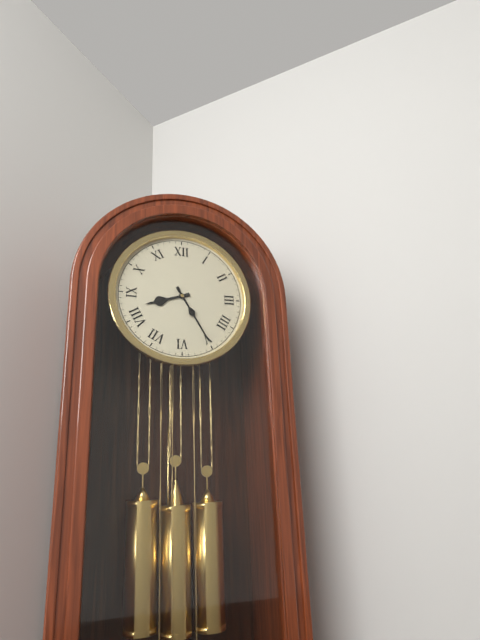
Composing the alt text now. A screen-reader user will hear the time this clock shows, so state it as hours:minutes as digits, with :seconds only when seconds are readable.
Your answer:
8:25
